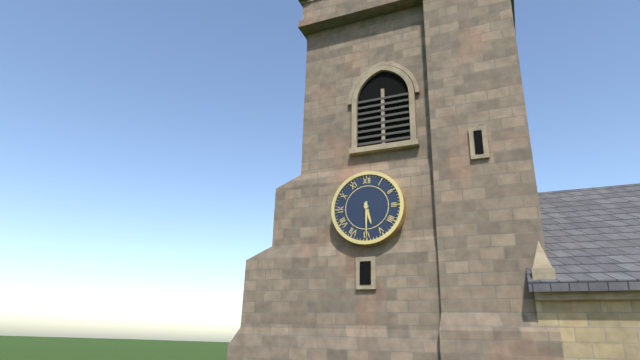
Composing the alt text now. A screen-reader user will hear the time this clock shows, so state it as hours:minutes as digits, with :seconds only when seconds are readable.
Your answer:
5:30
